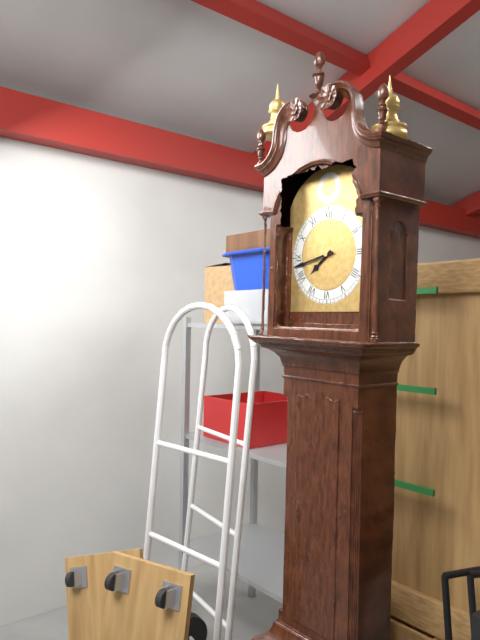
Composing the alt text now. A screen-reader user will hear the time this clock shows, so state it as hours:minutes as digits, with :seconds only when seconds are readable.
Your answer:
7:43
